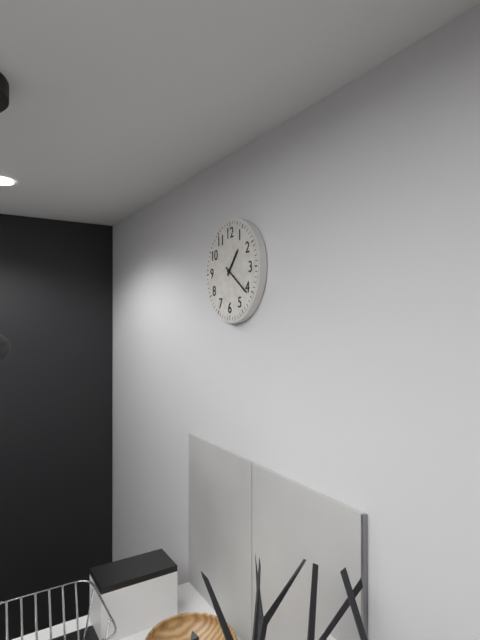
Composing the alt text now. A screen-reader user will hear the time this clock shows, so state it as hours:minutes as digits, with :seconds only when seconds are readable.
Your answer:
1:21
